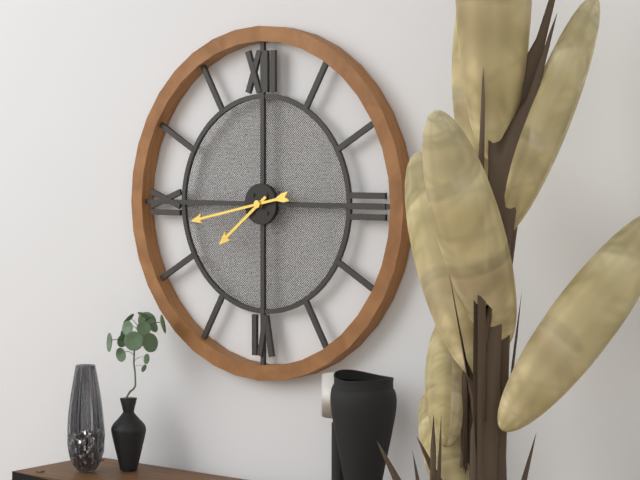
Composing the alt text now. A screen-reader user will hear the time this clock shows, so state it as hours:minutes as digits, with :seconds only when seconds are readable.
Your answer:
7:43
